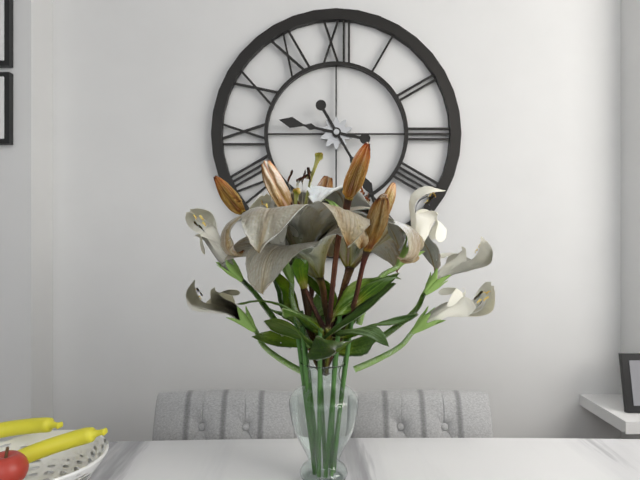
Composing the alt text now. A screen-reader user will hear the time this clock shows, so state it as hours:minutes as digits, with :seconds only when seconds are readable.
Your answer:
9:25
